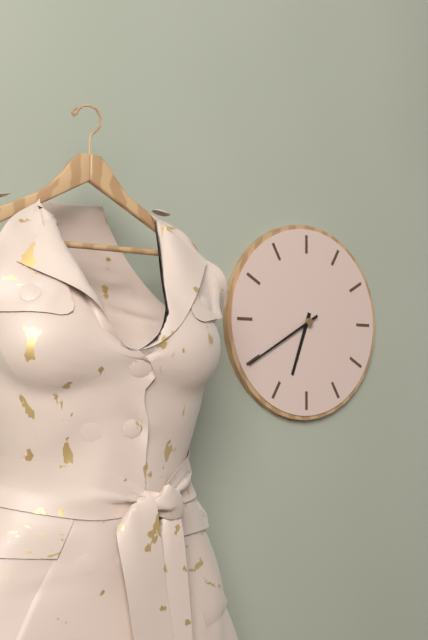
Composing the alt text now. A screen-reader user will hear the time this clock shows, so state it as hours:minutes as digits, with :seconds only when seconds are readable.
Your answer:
6:40
